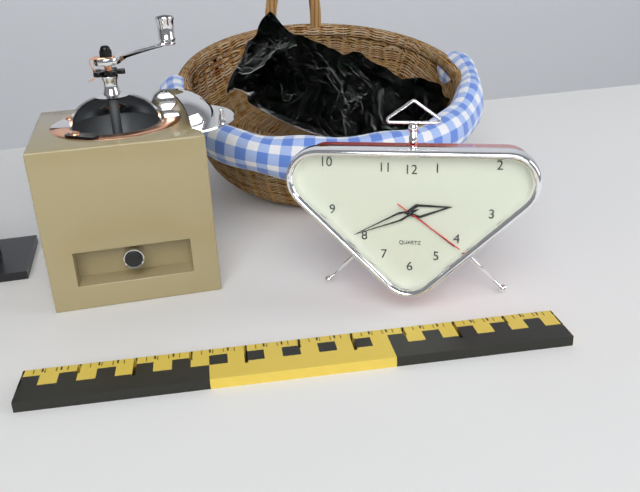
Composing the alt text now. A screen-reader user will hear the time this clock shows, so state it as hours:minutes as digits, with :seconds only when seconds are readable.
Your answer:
2:41:21
